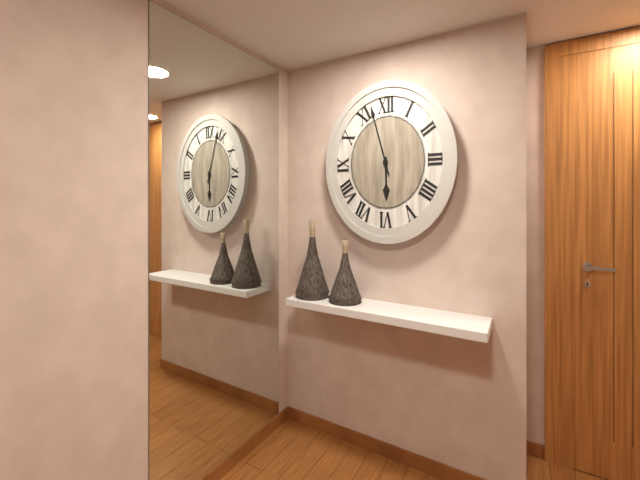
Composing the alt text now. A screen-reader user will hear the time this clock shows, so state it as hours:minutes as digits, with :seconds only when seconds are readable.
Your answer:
5:57
